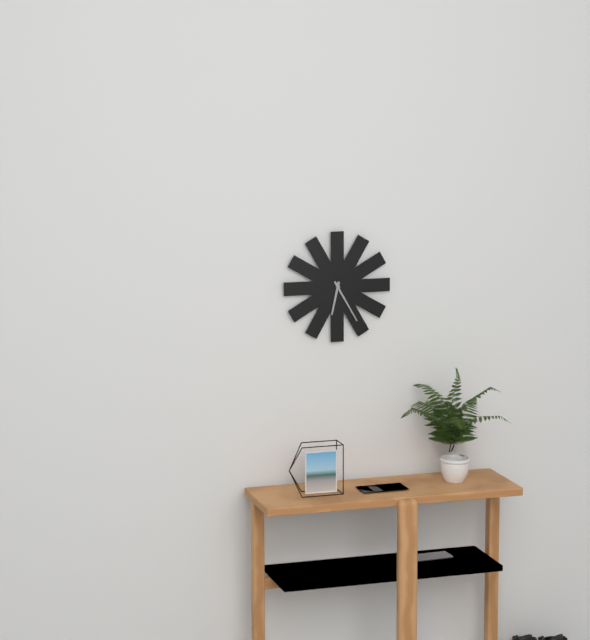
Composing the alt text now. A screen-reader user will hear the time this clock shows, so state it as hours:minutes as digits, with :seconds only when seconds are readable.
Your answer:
6:25
